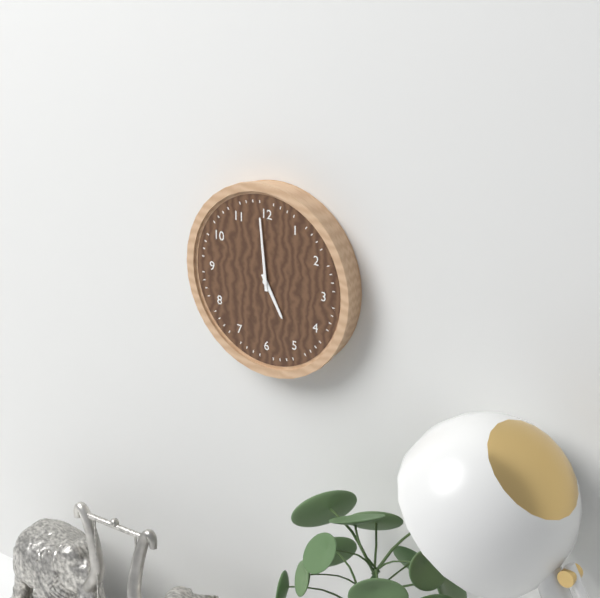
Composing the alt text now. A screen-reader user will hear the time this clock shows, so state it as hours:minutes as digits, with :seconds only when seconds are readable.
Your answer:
4:59
